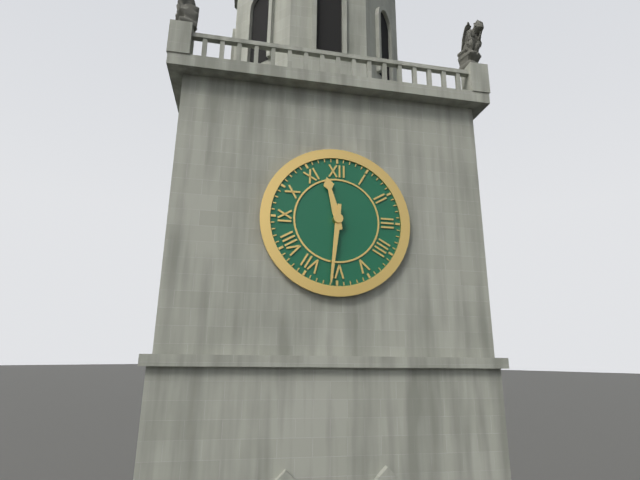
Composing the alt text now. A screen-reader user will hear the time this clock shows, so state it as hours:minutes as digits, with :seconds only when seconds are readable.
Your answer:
11:31
